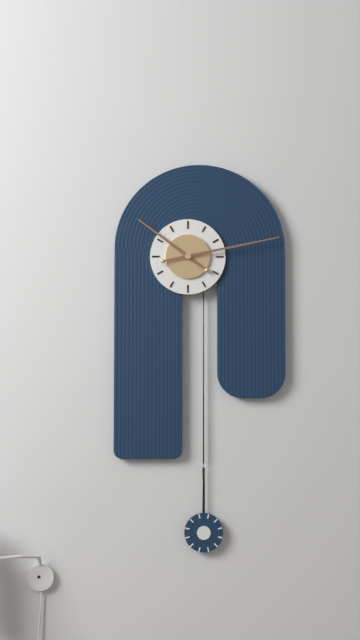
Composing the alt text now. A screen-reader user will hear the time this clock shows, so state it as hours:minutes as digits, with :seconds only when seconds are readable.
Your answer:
10:13
